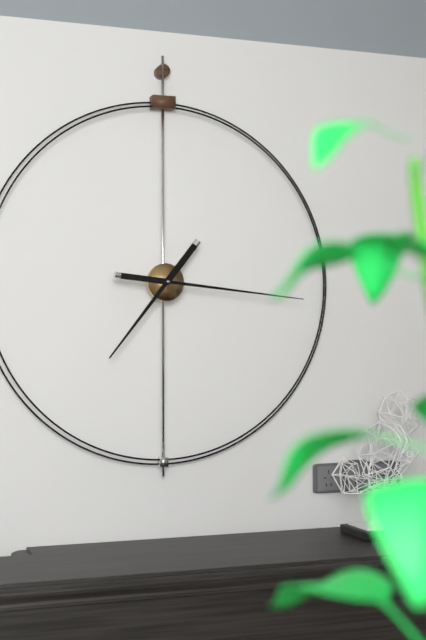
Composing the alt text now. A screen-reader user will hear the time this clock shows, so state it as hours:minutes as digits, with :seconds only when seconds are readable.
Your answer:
7:16
